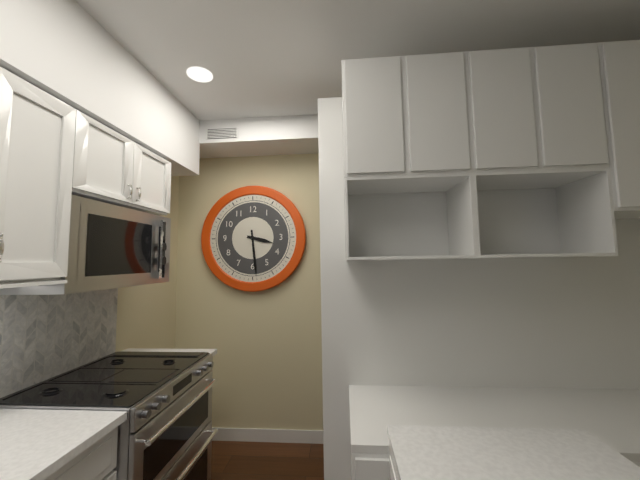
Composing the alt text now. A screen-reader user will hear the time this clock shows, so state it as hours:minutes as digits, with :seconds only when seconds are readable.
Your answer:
3:29
